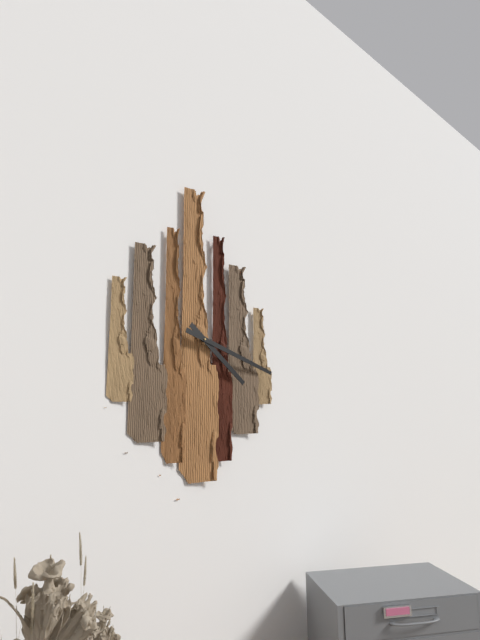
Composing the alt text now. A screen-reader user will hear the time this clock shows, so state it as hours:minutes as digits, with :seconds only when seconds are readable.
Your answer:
4:18
